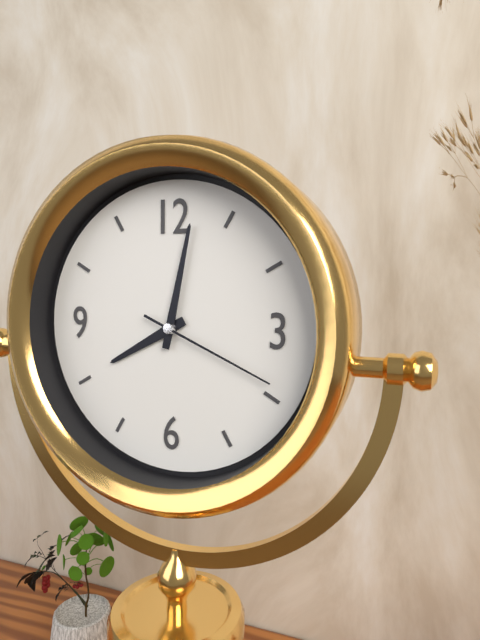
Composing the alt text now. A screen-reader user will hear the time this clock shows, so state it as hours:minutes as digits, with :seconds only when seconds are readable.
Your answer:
8:02:19
